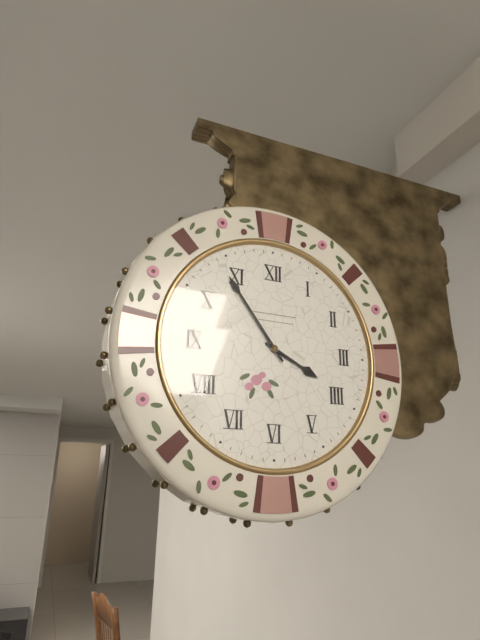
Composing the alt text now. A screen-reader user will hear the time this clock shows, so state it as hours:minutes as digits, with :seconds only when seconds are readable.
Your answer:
3:54
